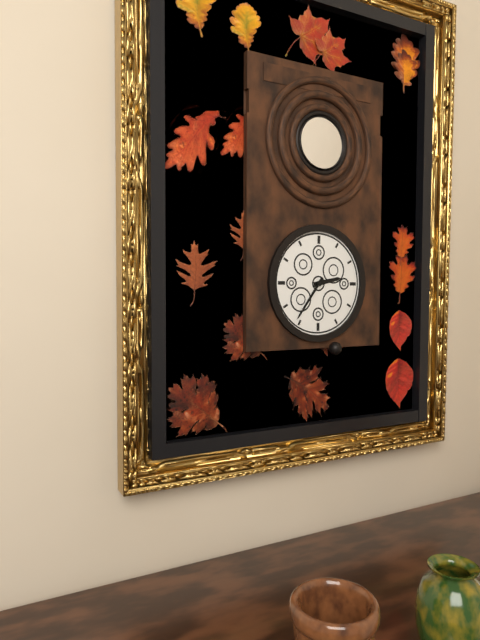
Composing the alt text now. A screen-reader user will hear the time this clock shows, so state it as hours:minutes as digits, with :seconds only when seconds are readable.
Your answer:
2:36
